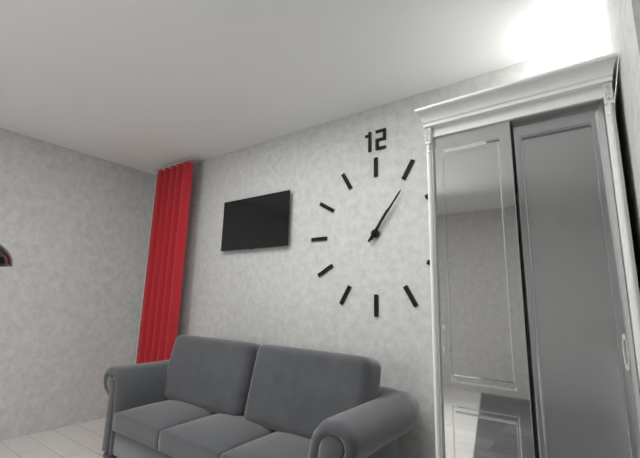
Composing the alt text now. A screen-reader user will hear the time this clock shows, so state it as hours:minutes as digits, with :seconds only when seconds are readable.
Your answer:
1:06
